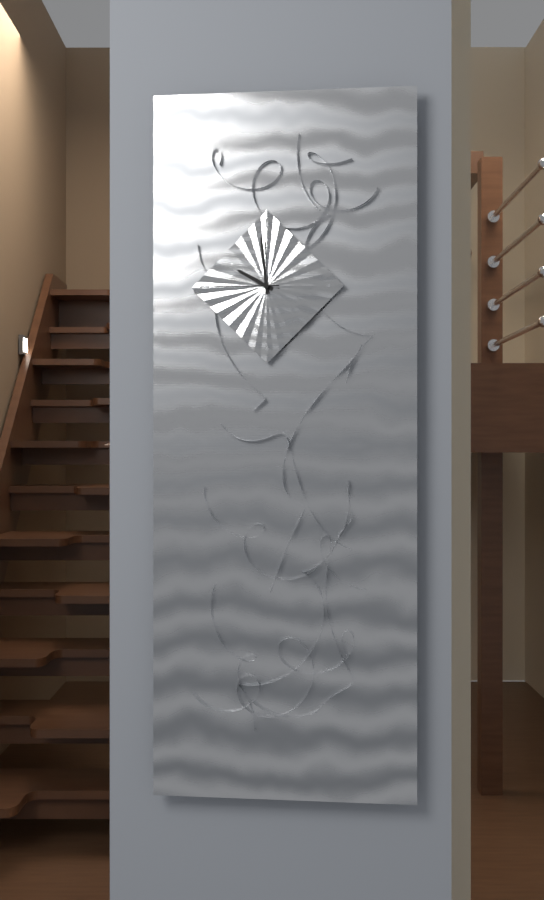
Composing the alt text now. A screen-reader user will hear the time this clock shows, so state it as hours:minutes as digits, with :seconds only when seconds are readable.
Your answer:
9:59:45
